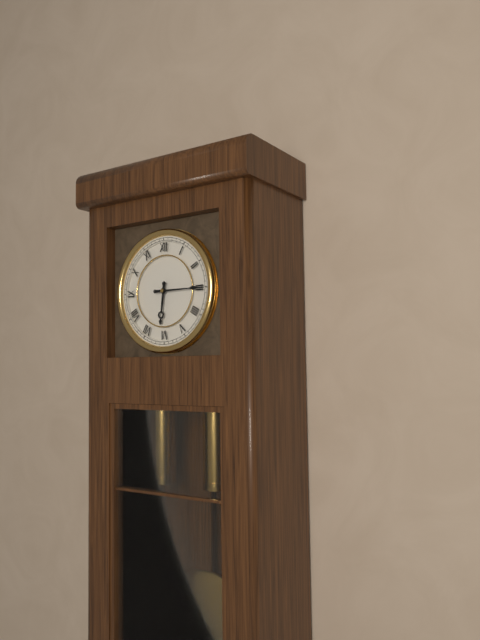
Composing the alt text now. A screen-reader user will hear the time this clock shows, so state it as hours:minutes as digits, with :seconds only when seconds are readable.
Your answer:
6:15
